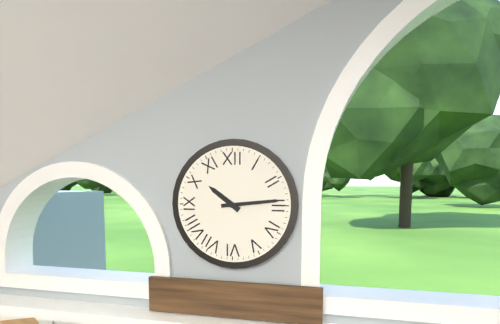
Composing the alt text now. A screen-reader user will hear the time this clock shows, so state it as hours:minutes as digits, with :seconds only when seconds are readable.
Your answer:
10:14
